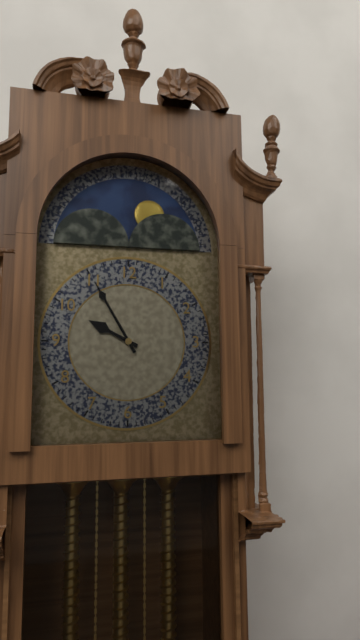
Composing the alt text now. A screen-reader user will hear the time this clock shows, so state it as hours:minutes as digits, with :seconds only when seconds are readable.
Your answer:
9:55
